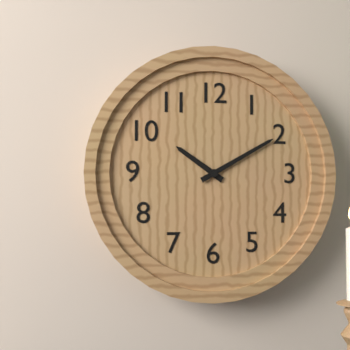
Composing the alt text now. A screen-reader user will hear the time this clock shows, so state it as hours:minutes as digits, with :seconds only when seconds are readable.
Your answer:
10:10
